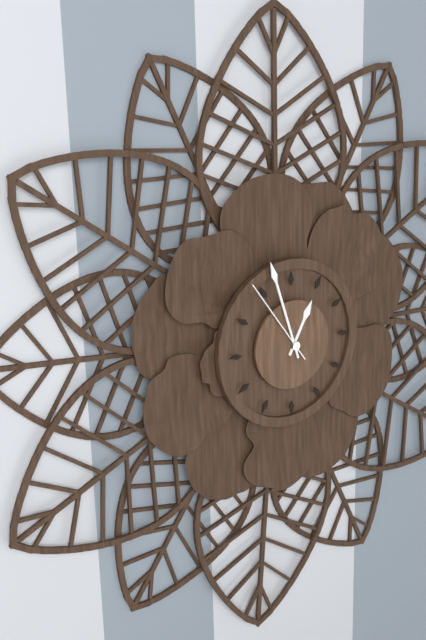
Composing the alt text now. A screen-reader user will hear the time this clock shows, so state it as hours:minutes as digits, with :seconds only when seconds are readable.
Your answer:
12:57:54
